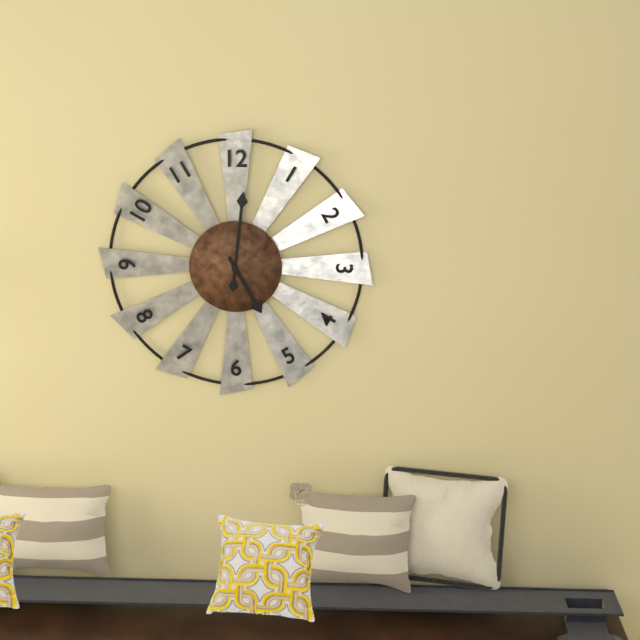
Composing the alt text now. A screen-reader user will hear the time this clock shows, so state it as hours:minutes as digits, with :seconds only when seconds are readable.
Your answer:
5:01
